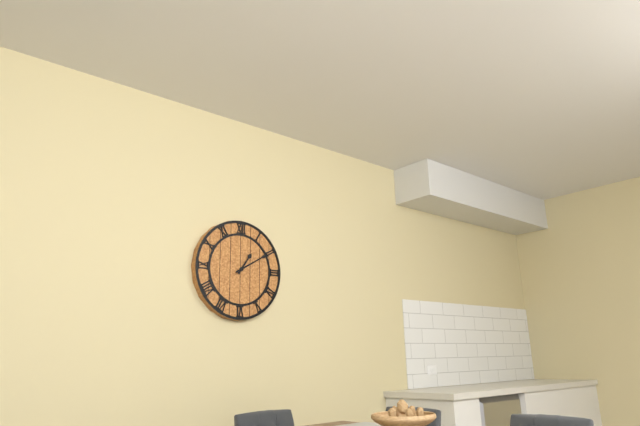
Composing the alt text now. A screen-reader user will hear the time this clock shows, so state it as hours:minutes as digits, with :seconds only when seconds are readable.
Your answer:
1:10
